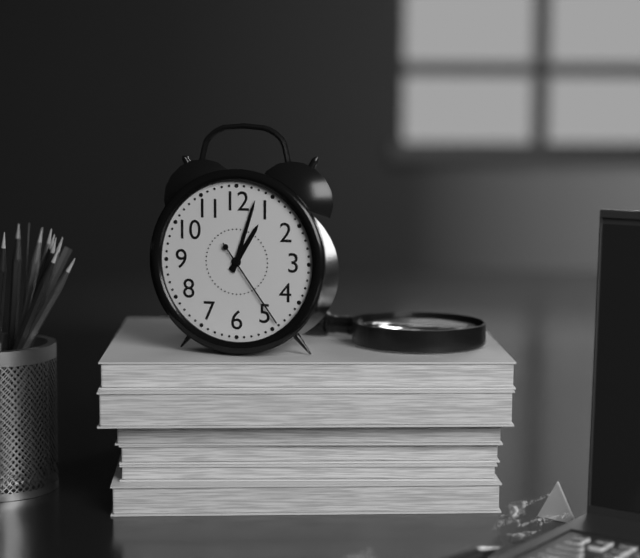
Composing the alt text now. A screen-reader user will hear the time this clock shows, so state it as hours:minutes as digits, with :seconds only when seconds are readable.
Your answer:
1:03:24
